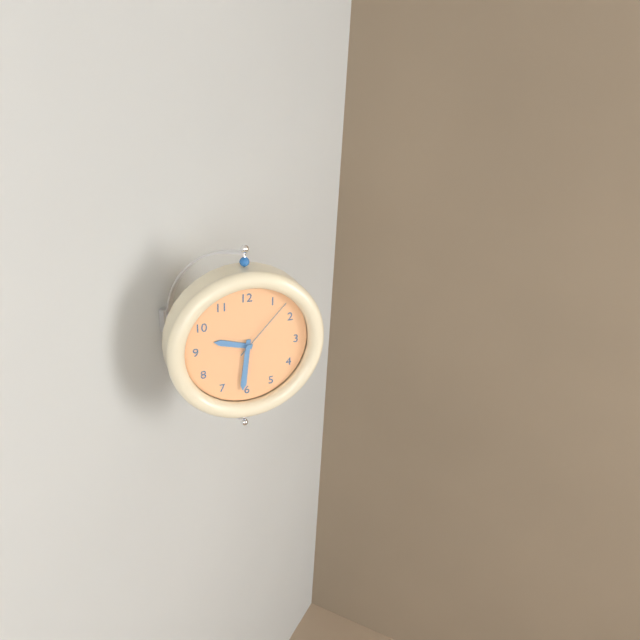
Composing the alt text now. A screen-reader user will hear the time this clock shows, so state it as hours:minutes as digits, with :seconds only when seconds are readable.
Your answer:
9:31:07
